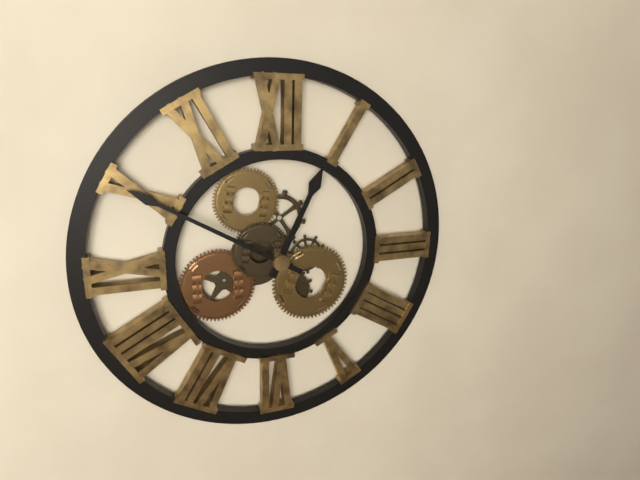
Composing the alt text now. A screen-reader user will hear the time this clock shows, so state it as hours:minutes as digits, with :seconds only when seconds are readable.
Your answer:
12:50
